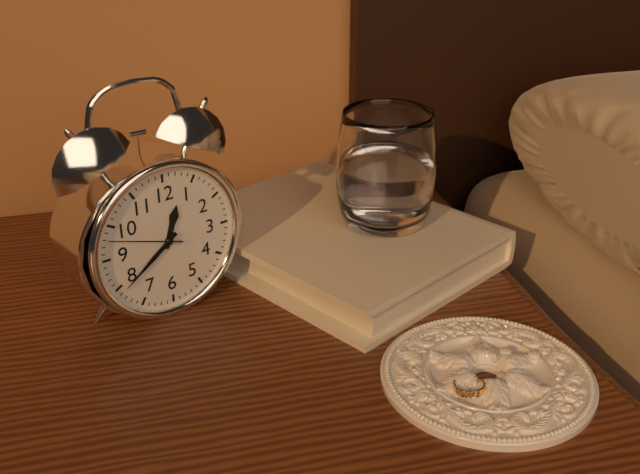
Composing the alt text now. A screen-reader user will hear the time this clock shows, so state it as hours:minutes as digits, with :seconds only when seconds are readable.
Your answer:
12:39:48
